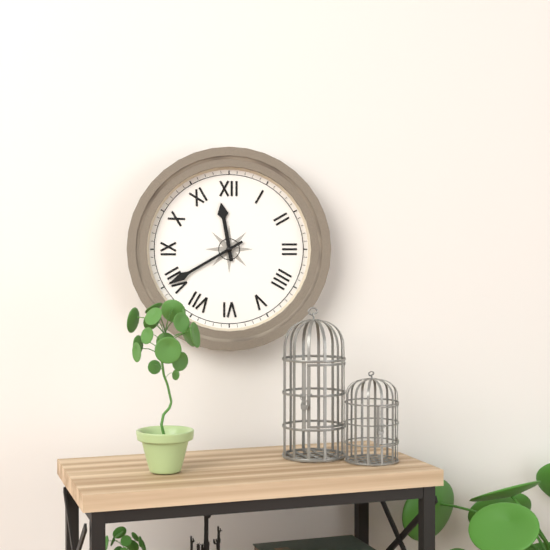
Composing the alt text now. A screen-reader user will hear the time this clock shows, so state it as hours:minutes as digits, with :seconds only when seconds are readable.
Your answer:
11:40
